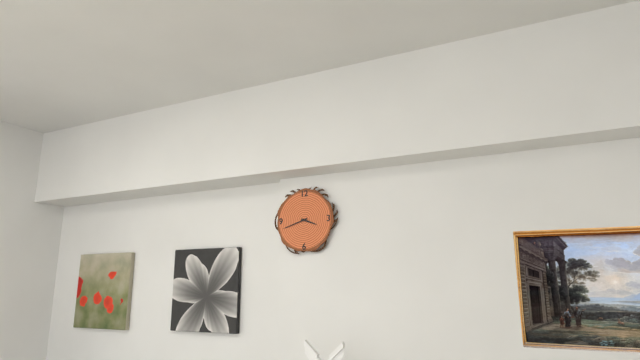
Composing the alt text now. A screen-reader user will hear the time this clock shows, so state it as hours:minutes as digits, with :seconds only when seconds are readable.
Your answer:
3:42
